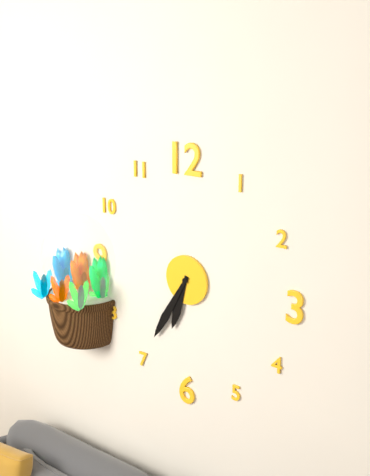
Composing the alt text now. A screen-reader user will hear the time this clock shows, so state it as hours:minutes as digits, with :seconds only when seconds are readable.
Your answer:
6:35
